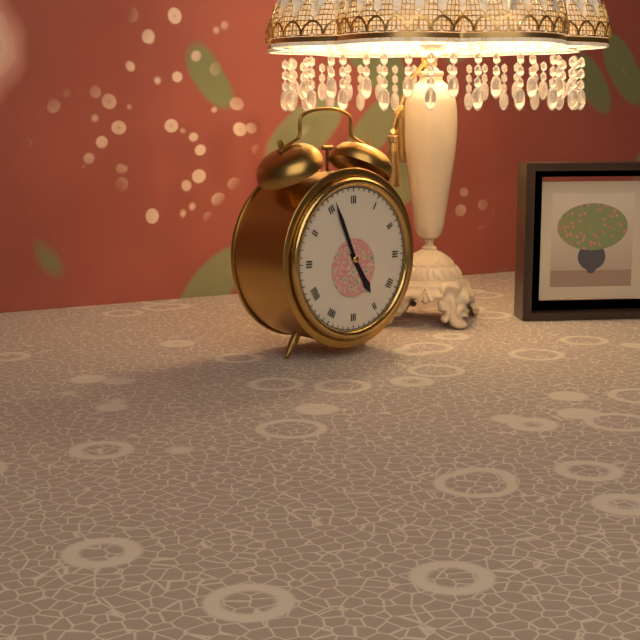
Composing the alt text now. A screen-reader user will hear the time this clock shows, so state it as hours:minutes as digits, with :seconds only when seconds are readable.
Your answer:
4:56
